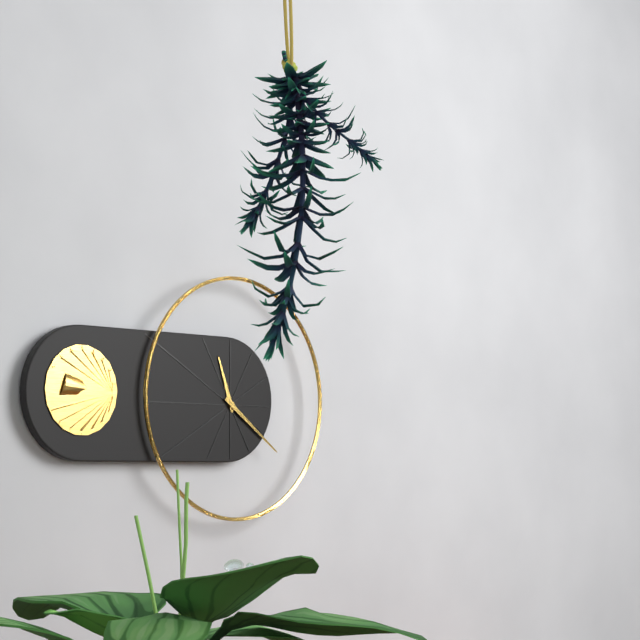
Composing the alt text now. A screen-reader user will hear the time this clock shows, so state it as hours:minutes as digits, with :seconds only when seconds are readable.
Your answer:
11:21
